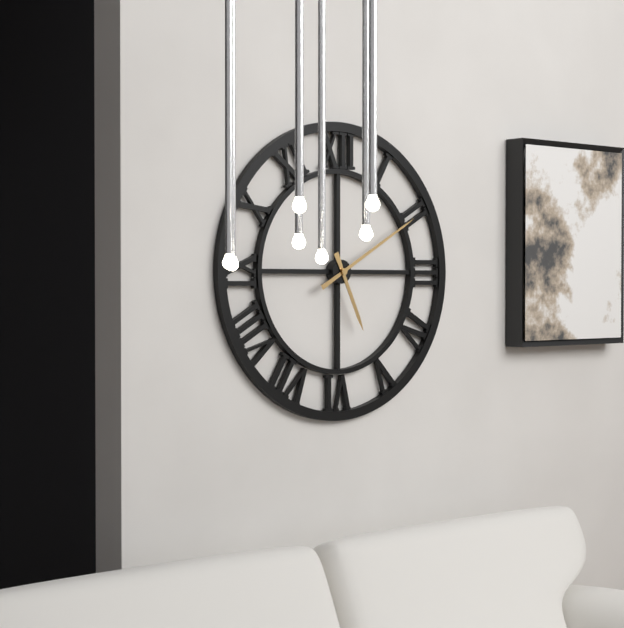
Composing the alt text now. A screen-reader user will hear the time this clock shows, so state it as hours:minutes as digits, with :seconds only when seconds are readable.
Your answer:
5:10
